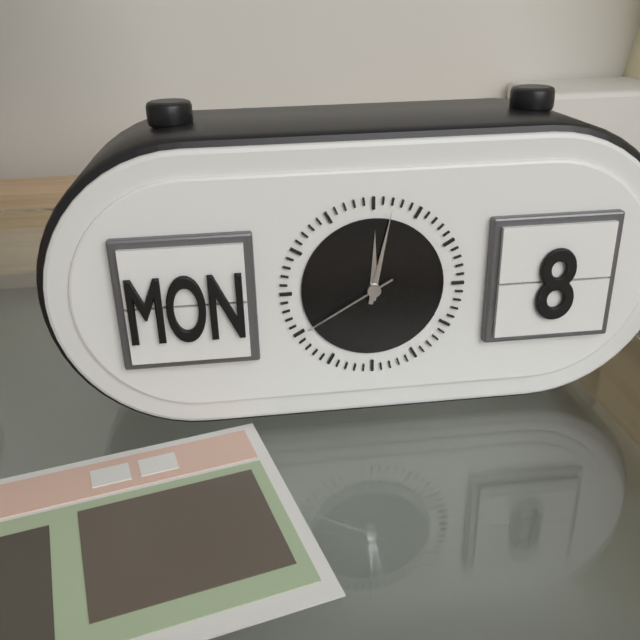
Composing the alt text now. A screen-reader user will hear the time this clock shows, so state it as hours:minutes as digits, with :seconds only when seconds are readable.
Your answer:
12:02:40
